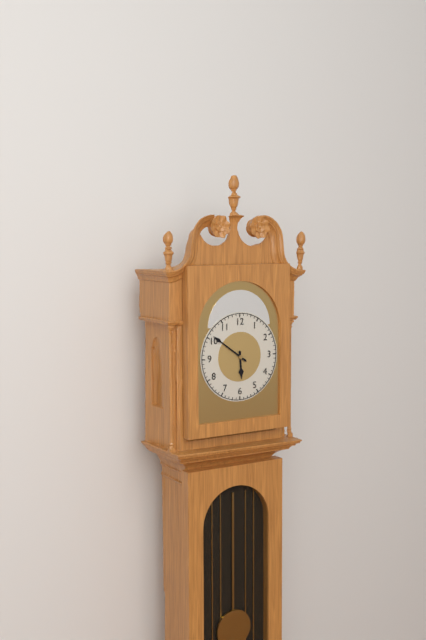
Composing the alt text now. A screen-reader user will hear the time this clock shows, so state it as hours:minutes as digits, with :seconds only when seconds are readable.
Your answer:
5:51
